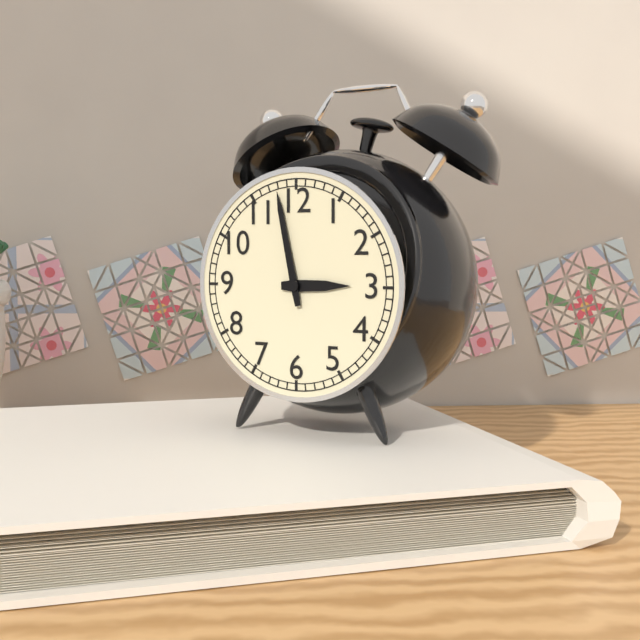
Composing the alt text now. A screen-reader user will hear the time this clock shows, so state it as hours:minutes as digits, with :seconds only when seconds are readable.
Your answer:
2:58
